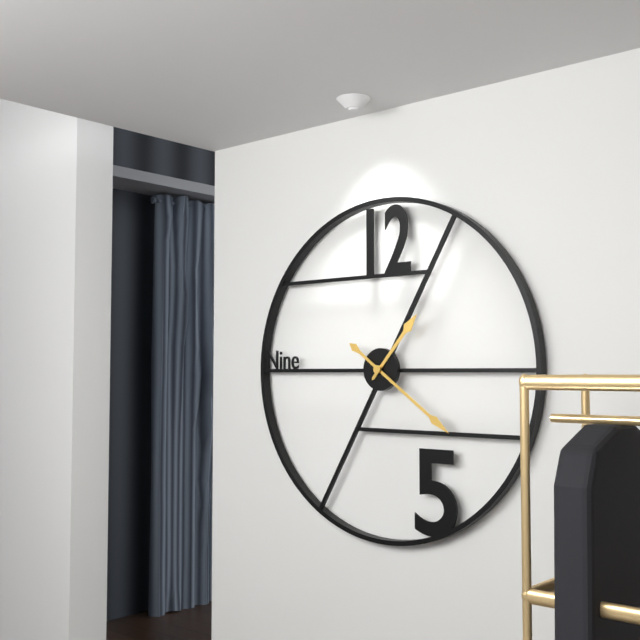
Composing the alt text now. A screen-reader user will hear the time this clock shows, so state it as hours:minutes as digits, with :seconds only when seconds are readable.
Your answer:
1:21
